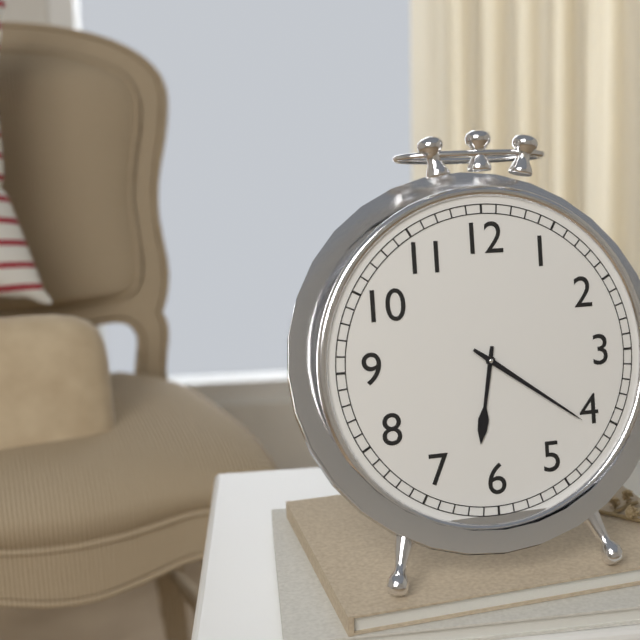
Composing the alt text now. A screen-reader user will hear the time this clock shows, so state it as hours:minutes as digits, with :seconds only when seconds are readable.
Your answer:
6:21
